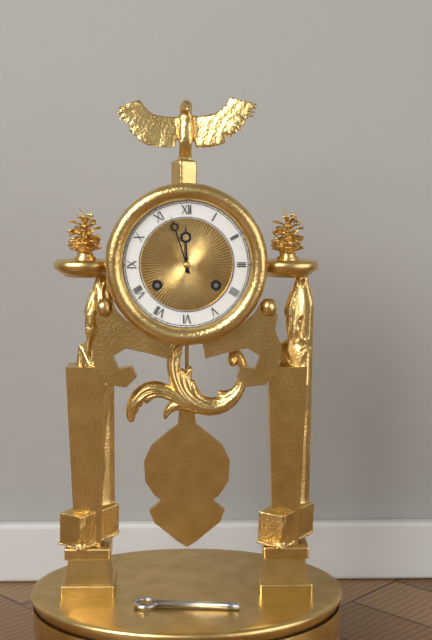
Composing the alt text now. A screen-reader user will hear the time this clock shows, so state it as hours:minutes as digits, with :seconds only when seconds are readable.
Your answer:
11:57
